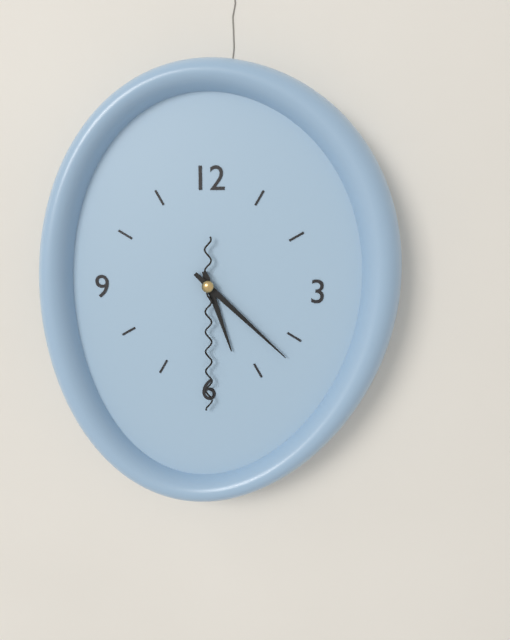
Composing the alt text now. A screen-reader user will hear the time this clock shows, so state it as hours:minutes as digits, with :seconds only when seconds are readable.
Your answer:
5:22:30
